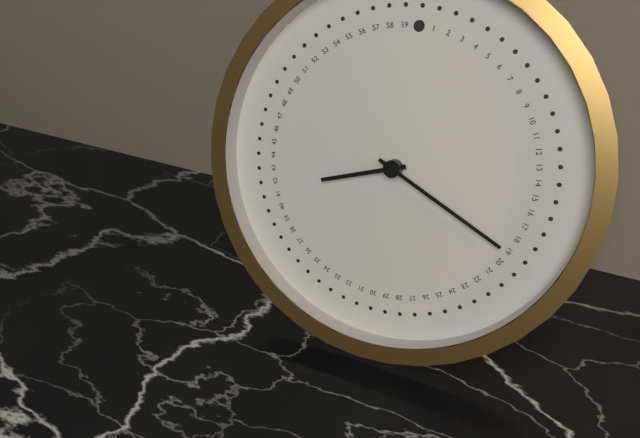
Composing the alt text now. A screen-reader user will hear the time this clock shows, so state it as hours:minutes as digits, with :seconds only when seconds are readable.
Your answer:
8:19
